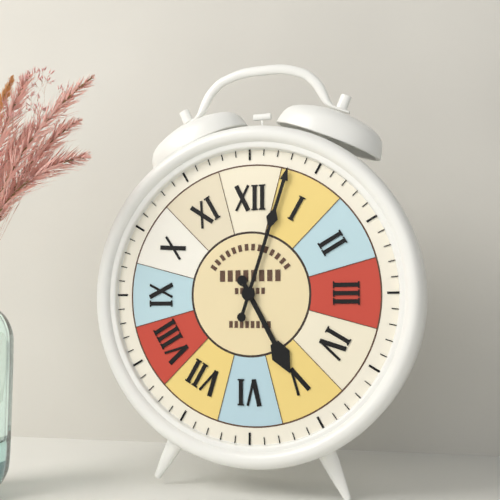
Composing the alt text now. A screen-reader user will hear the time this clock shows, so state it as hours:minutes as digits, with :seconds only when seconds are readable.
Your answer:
5:03
